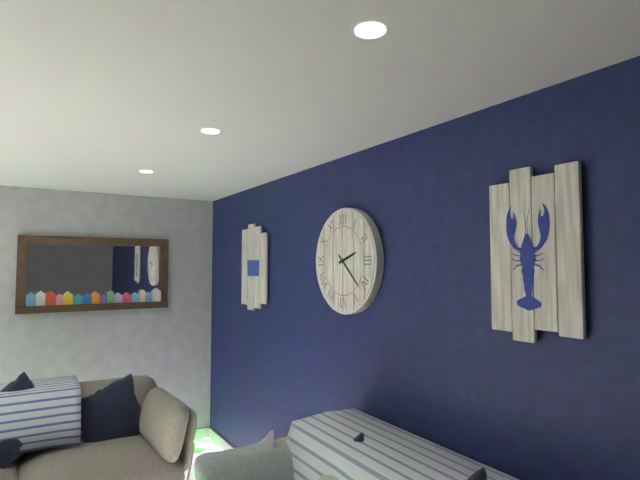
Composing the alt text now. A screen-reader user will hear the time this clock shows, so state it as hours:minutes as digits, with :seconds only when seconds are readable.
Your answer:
2:22
